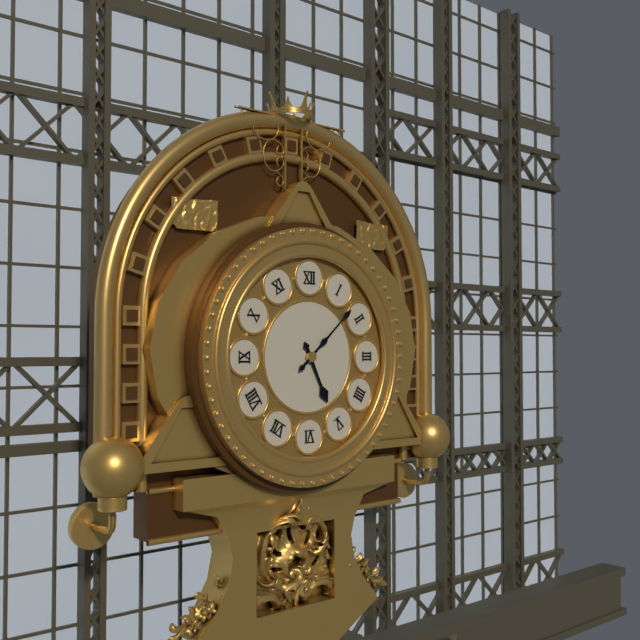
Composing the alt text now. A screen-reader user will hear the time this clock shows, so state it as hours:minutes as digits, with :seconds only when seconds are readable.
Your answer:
5:08
